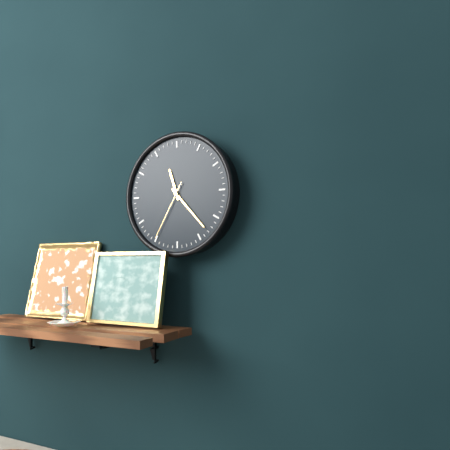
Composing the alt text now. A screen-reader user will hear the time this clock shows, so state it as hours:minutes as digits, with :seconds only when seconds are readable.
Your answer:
11:23:35
